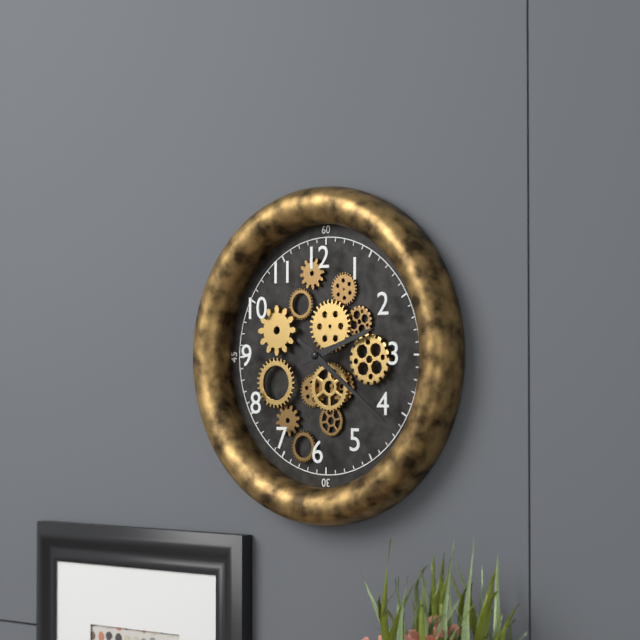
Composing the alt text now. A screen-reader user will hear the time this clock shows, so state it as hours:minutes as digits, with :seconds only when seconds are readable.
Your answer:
2:21
